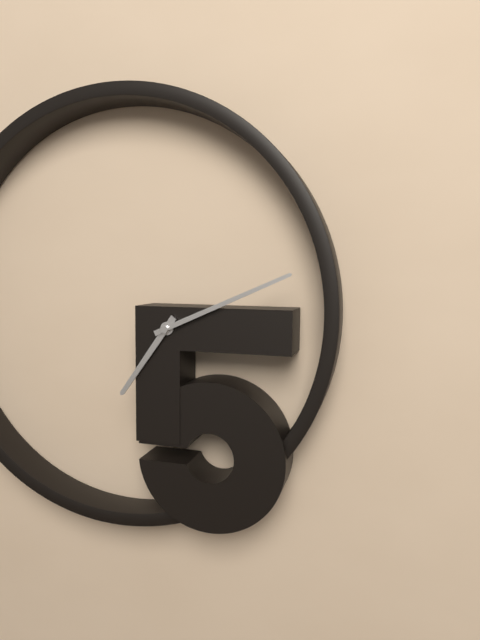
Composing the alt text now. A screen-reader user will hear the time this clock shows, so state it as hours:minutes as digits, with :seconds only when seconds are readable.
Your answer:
7:11
